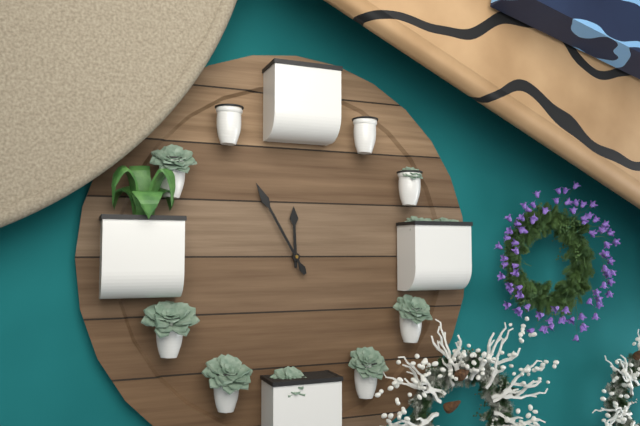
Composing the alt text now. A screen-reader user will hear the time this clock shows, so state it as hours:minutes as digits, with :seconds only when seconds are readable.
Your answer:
11:55
